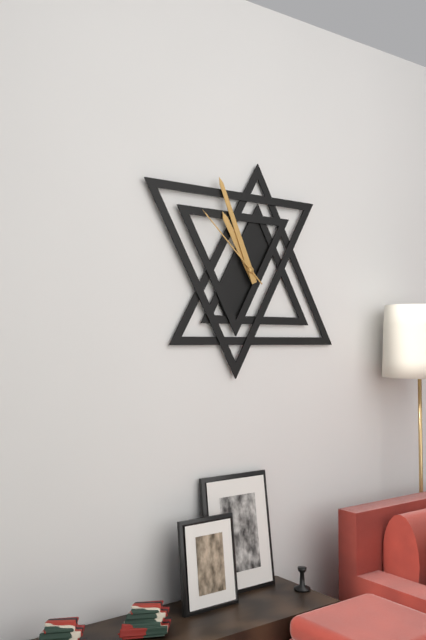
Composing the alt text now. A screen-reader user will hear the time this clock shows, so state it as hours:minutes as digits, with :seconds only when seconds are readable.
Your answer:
10:56:52
